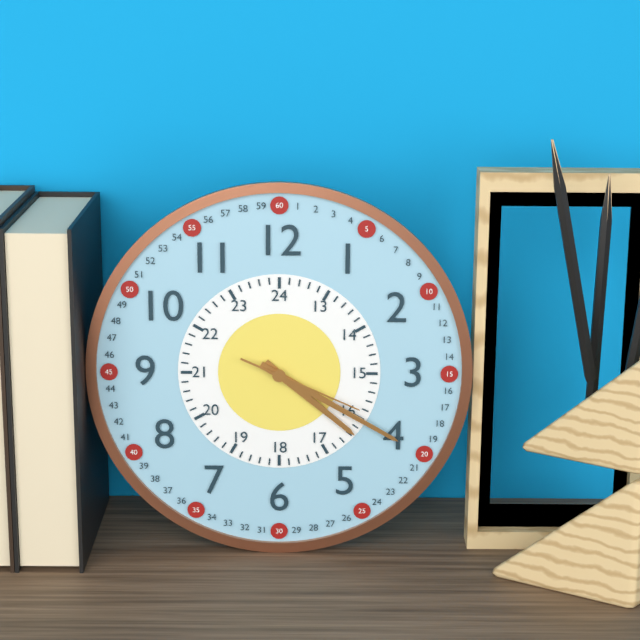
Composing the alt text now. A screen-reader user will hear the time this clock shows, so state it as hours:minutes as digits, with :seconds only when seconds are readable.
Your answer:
4:20:19
